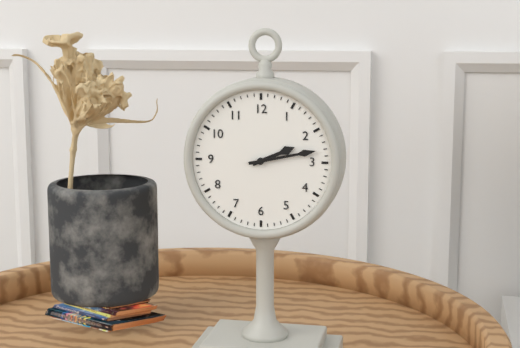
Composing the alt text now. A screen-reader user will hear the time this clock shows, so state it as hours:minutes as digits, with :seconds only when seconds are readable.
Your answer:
2:13
